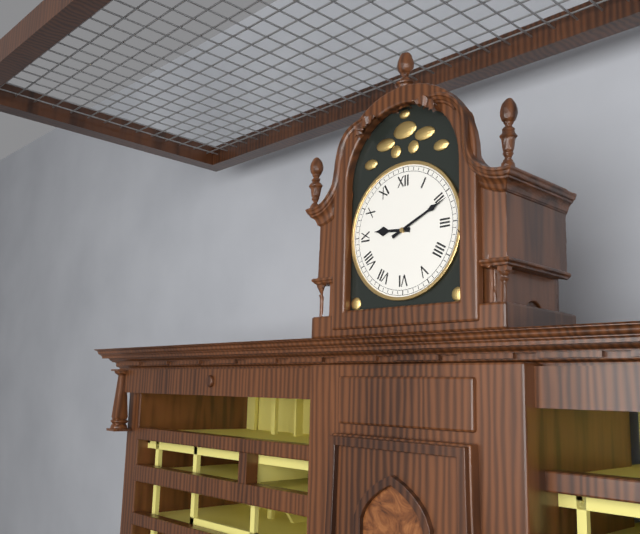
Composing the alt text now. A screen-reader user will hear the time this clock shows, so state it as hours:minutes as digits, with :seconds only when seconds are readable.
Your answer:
9:11
